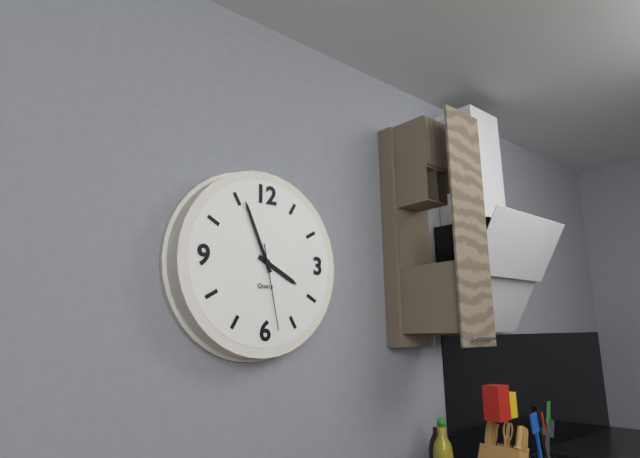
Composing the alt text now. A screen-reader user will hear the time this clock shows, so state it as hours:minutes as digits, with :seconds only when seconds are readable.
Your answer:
3:56:28
